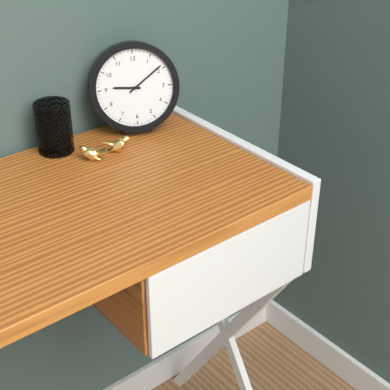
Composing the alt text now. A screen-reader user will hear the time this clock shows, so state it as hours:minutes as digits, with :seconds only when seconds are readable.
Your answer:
9:09
